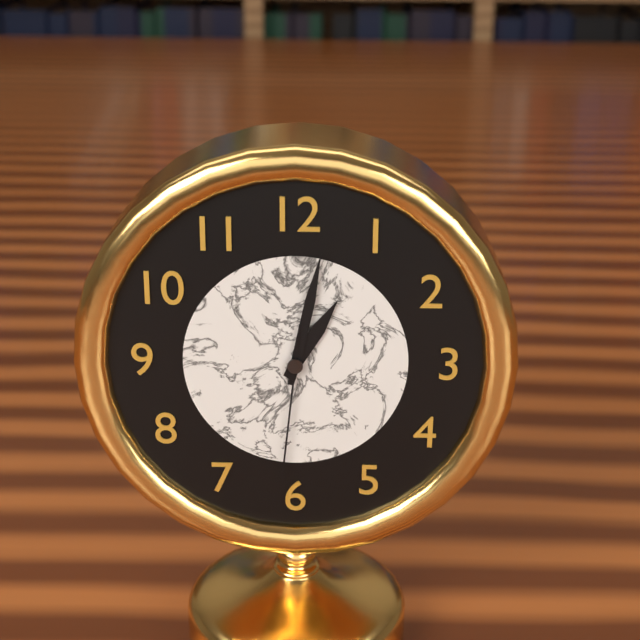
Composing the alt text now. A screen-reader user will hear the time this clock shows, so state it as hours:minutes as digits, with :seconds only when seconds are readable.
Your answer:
1:02:31
